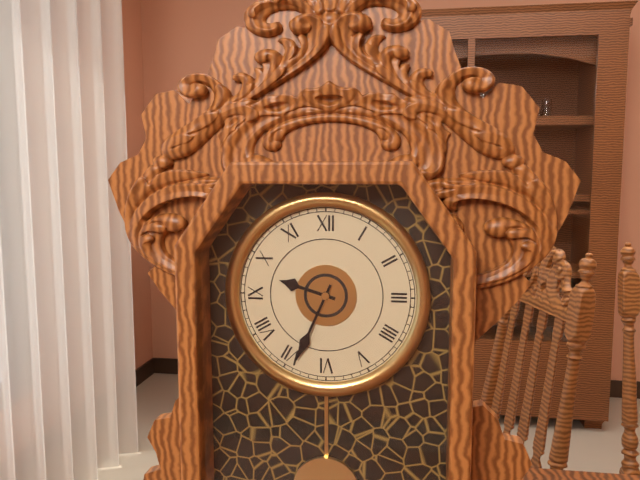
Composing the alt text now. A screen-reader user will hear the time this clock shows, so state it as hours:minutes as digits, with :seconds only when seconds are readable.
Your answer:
9:34
